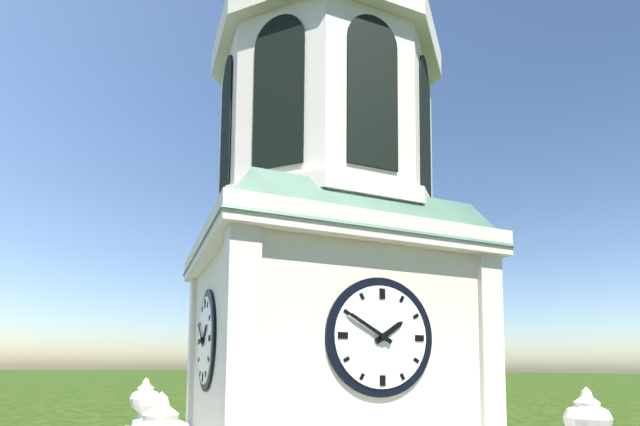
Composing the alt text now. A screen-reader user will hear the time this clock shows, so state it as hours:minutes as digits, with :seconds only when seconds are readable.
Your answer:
1:50
